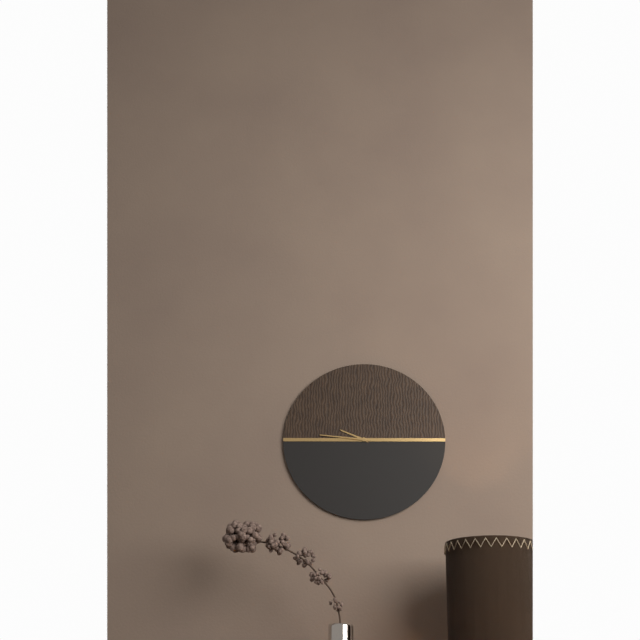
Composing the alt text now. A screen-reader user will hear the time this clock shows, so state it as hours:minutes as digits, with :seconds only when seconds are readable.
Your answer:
9:46
